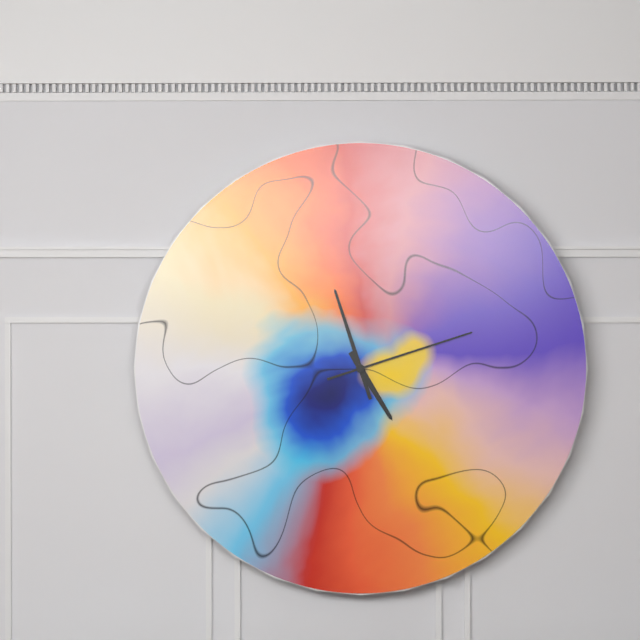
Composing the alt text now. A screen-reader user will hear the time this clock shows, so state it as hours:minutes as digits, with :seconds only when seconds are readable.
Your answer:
4:57:12
